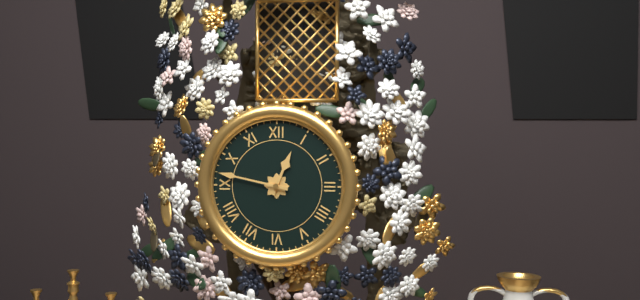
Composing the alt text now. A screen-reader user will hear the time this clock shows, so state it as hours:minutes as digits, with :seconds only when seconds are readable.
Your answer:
12:47
